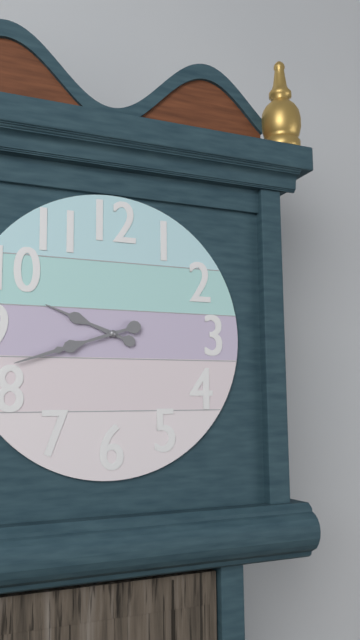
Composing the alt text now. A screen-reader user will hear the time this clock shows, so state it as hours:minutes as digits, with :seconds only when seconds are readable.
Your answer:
9:42
